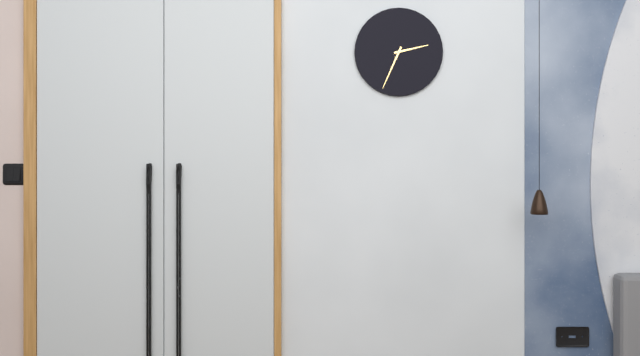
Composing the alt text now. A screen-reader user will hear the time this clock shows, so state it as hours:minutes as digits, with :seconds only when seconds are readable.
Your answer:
2:34
